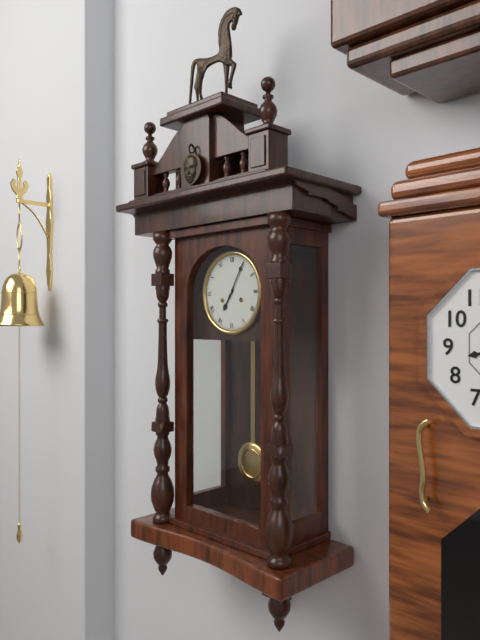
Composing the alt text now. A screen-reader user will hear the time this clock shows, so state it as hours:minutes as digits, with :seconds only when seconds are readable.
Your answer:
7:05
